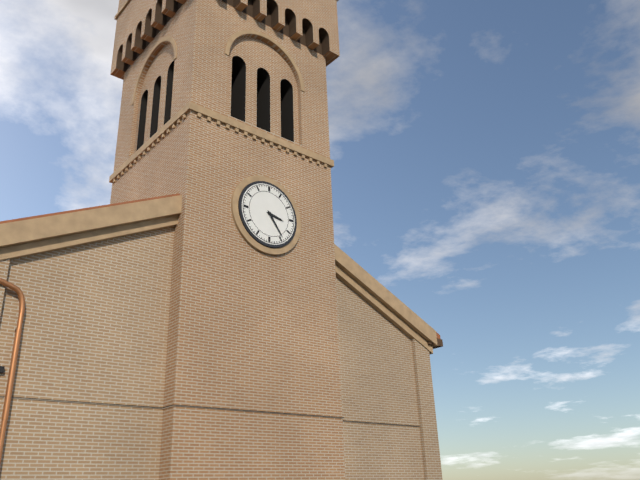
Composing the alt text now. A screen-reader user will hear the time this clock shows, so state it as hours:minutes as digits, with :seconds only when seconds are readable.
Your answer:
3:24
